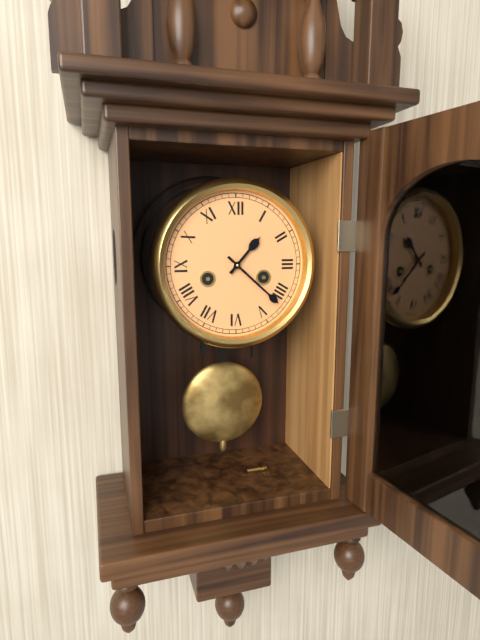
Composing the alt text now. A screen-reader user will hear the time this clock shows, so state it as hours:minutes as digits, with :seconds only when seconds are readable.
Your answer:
1:22
